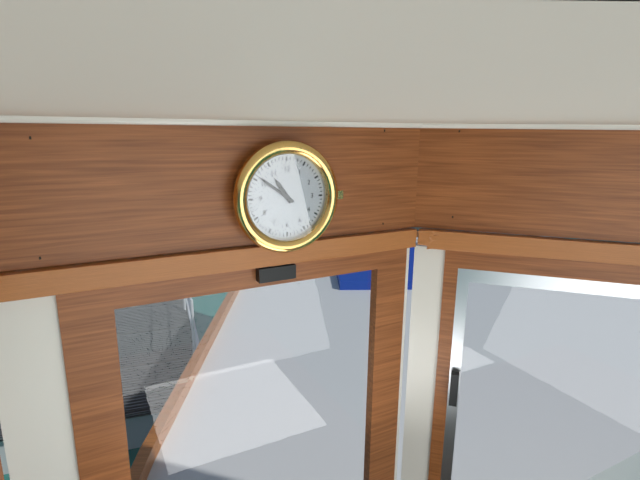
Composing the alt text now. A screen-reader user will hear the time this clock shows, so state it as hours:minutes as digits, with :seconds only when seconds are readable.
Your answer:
10:51
